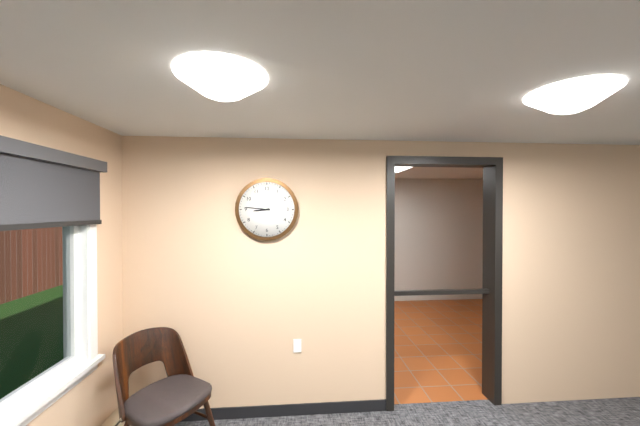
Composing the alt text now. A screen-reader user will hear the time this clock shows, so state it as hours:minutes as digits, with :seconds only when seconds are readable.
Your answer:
8:46
